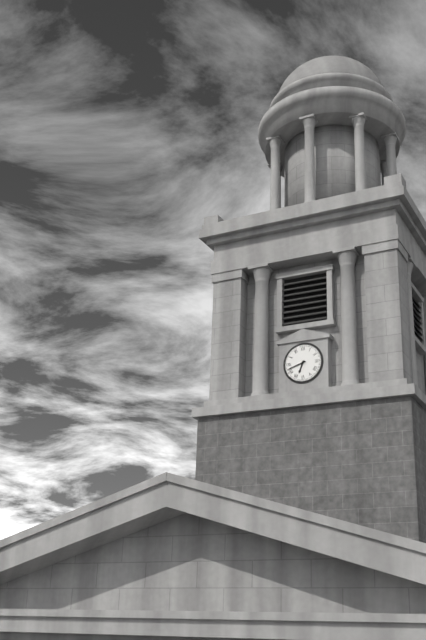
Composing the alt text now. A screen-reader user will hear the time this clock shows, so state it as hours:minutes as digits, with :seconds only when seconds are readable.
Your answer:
6:42
